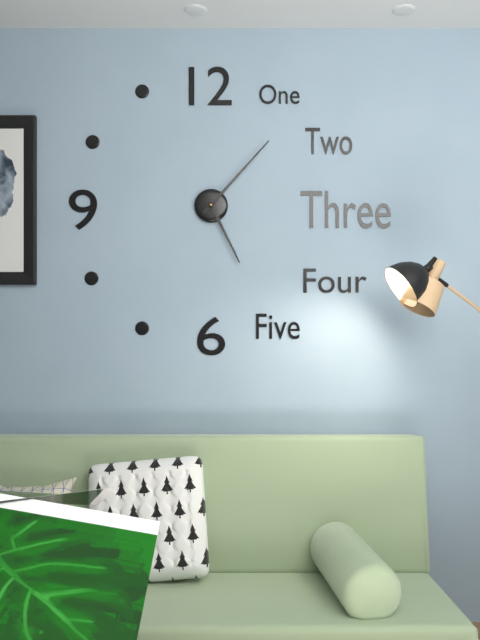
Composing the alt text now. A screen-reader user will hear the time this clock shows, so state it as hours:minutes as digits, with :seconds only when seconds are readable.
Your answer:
5:07
